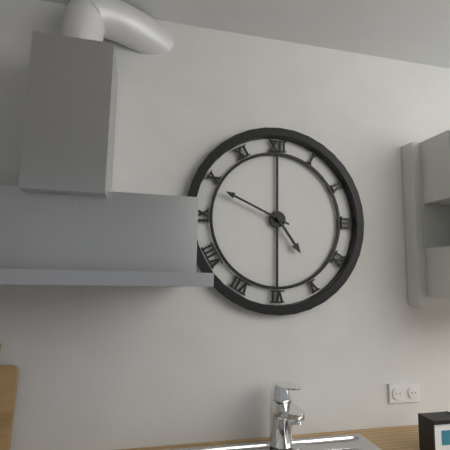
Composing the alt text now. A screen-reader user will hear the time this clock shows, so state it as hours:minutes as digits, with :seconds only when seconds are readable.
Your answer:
4:49
